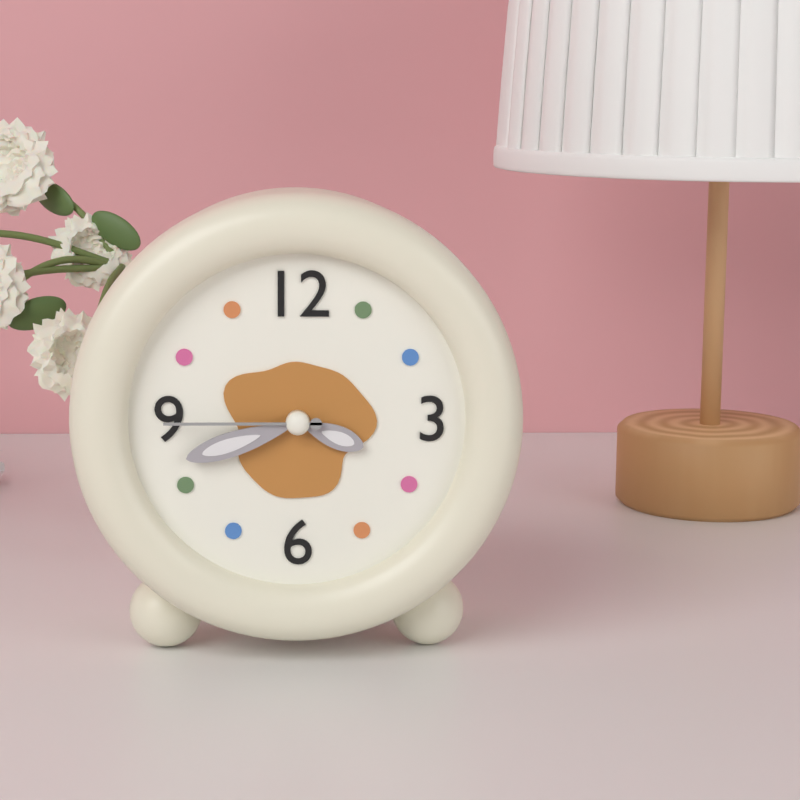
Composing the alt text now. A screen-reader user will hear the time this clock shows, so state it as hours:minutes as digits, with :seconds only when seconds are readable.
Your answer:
3:42:45
